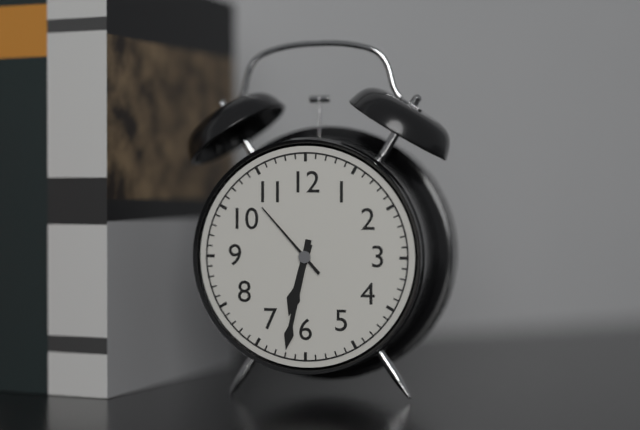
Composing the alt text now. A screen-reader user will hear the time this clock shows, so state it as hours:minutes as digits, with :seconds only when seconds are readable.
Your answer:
6:32:53
